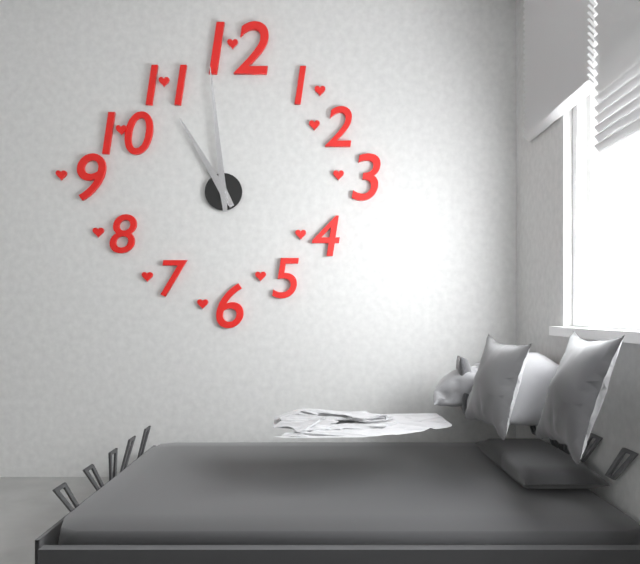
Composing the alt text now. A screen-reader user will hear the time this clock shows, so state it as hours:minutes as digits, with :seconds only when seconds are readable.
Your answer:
10:59
